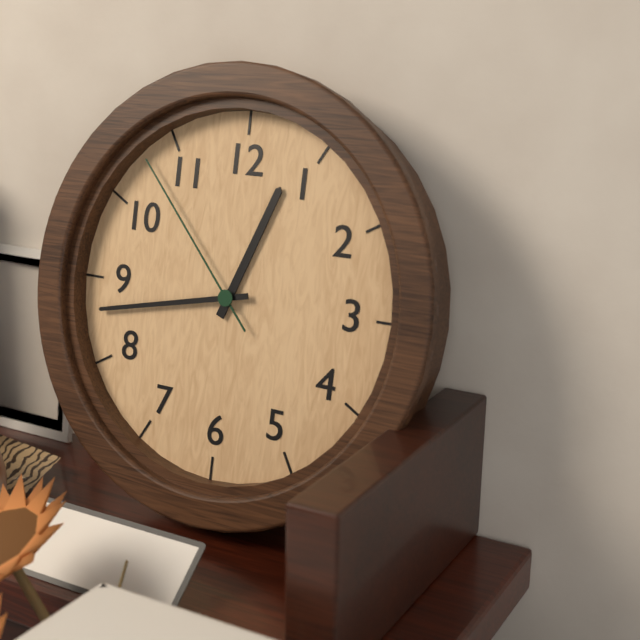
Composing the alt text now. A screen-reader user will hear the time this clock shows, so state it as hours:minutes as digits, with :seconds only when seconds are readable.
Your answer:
12:43:53
